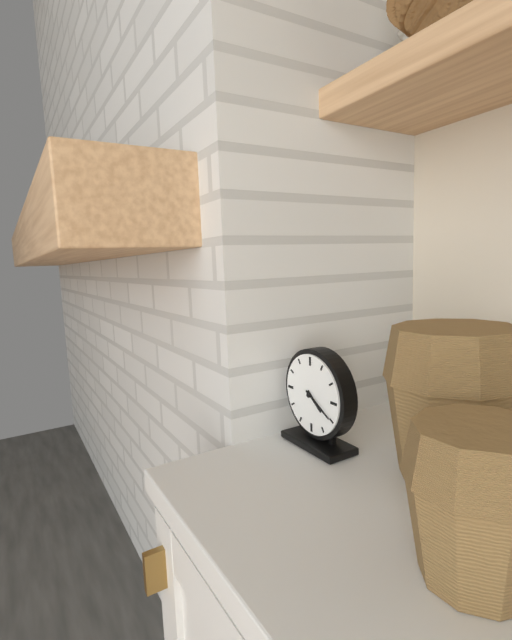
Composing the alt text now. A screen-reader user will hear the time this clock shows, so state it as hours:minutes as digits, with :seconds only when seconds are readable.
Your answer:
4:20
